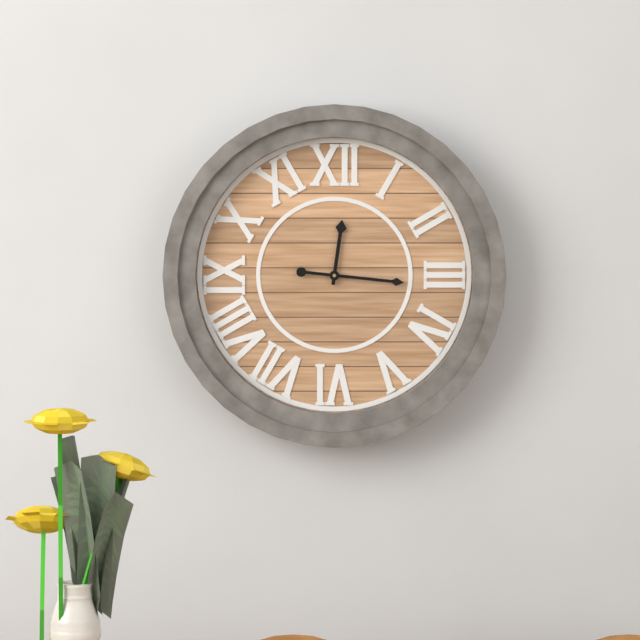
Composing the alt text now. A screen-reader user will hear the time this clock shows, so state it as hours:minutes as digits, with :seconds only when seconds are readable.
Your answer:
12:16
